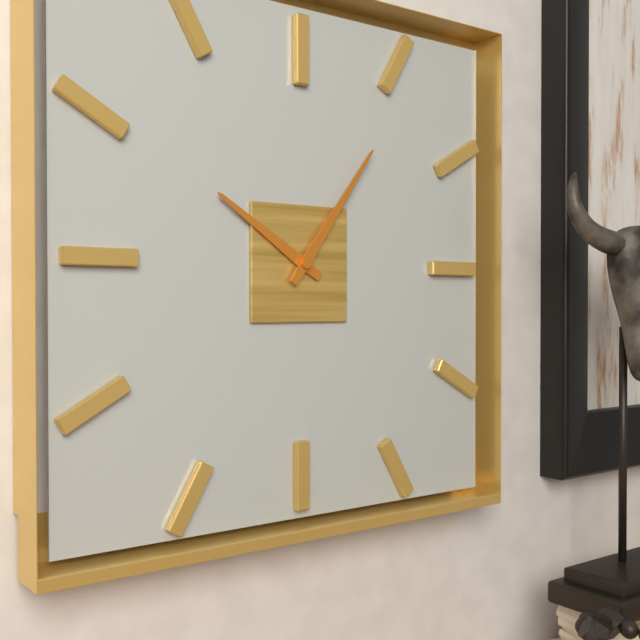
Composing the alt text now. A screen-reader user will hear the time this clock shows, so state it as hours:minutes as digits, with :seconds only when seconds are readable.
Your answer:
10:06
